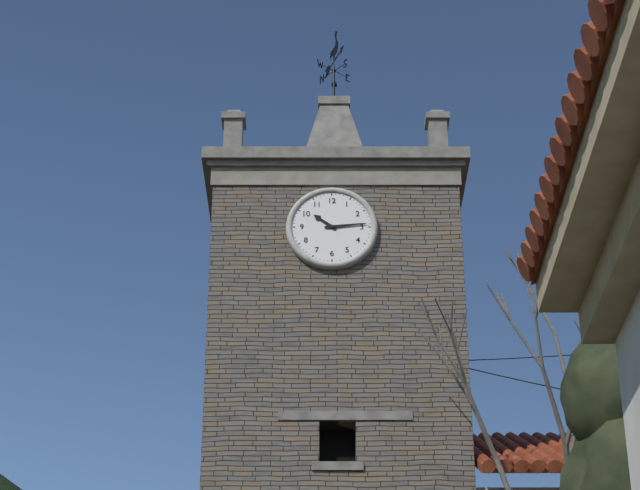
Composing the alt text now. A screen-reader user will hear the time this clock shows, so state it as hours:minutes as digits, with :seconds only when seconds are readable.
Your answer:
10:14
